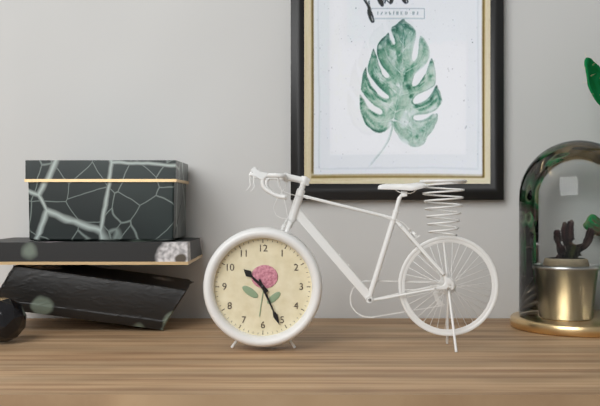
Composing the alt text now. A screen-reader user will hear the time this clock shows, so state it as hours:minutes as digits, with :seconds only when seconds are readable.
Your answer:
10:26
